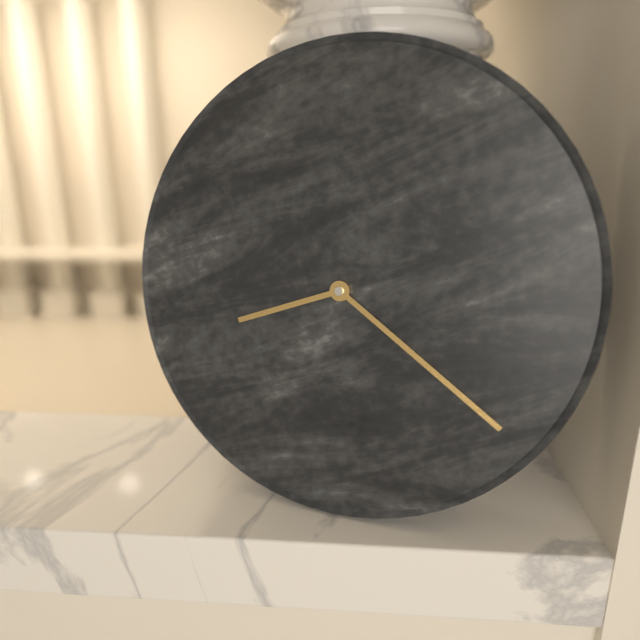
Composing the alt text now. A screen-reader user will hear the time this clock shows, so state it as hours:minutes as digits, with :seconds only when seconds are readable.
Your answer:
8:21
